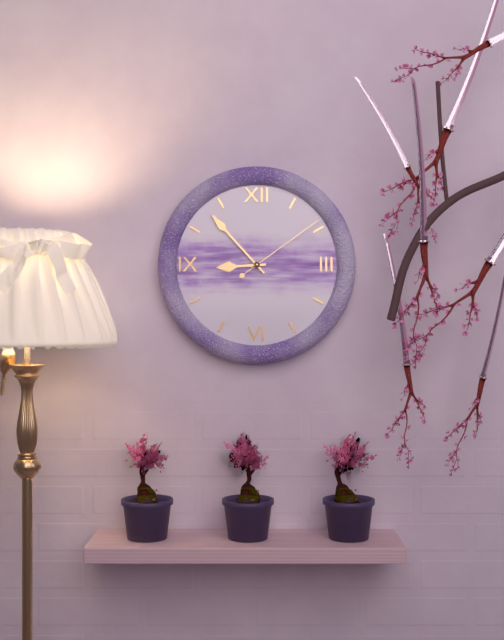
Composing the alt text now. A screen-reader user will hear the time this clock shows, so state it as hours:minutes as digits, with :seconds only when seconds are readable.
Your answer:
8:53:09
